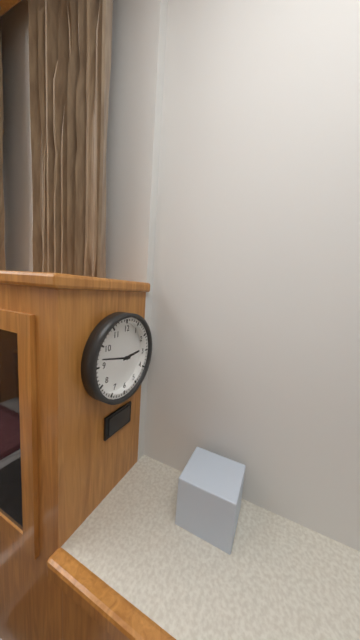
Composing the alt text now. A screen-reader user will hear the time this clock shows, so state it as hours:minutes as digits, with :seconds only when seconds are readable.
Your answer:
2:47
